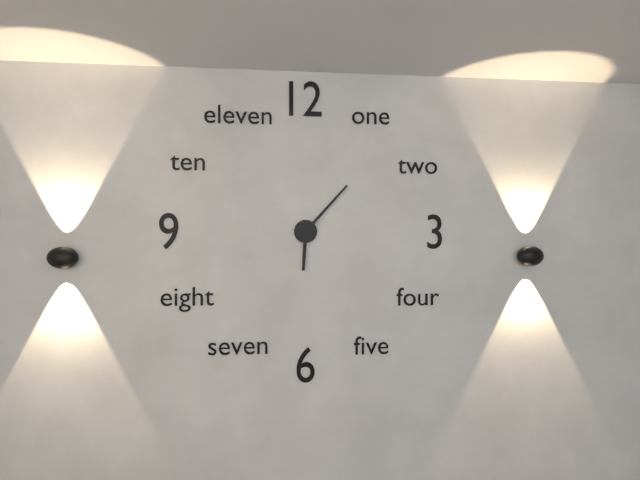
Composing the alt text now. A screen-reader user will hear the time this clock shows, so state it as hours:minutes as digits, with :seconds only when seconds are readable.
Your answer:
6:07
